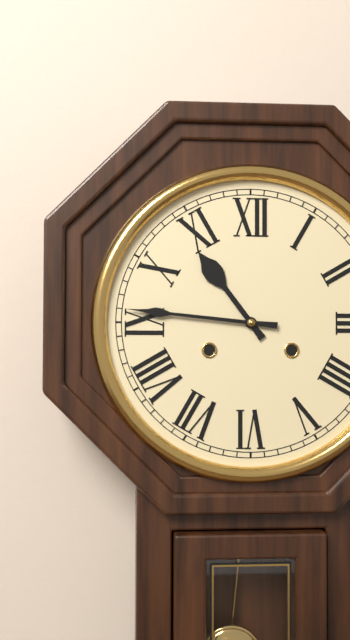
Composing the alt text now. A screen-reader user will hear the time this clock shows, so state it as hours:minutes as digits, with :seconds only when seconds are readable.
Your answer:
10:46
